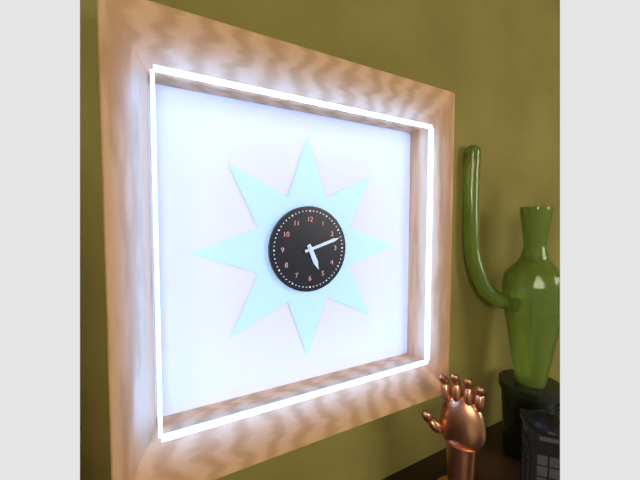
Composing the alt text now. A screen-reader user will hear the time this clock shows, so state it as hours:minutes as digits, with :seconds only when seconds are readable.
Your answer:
5:12
